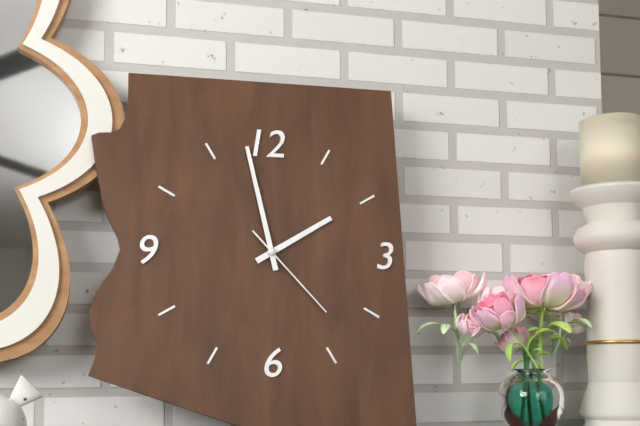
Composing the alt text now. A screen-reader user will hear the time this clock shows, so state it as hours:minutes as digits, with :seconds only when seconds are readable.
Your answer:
1:58:23
